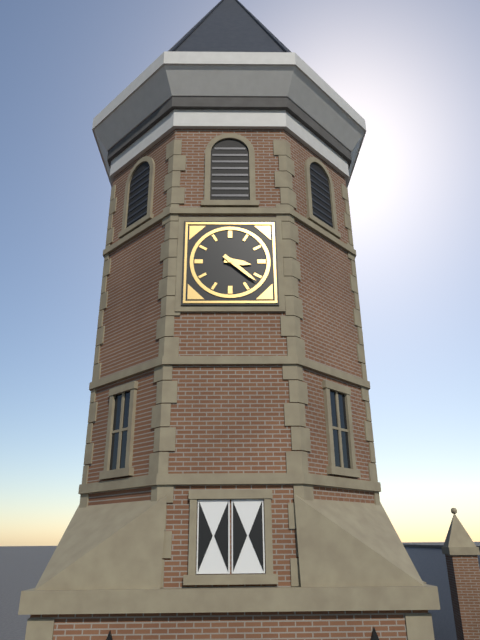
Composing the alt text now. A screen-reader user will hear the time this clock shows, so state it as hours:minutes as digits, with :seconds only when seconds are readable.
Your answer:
3:22
